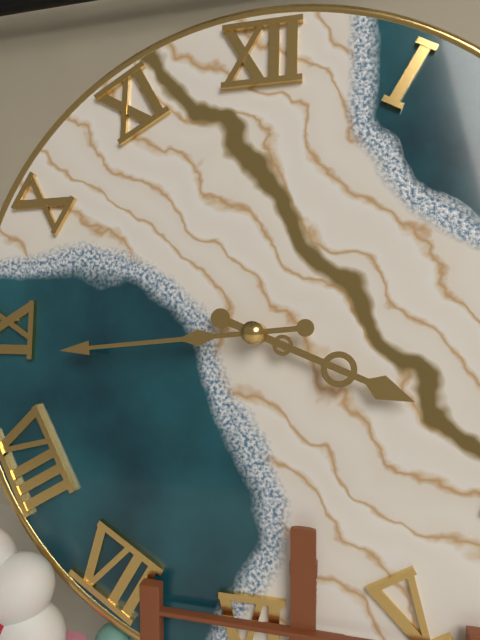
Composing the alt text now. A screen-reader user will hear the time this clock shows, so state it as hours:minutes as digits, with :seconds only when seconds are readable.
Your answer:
3:44
